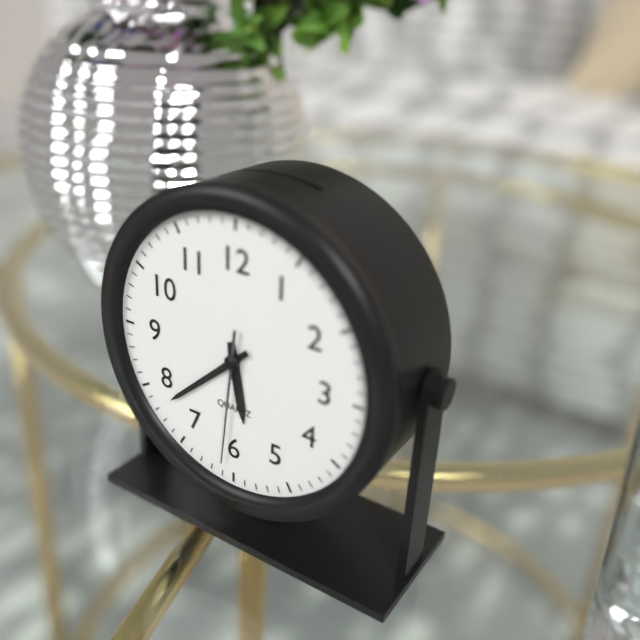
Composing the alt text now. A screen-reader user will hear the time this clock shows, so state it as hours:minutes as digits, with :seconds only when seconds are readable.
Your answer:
5:38:31
